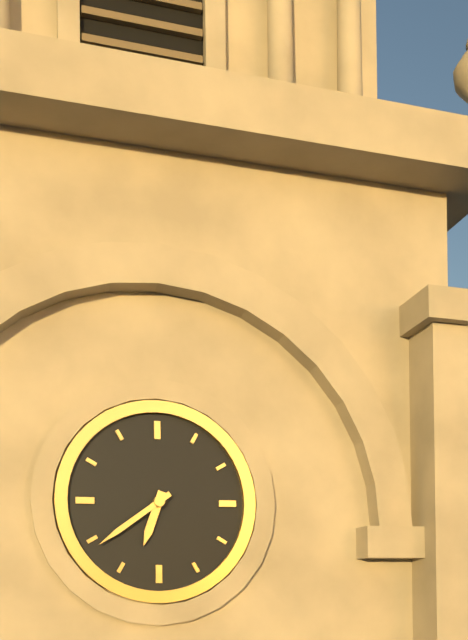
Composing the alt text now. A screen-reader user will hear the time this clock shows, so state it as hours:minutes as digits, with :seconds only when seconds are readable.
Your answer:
6:39
